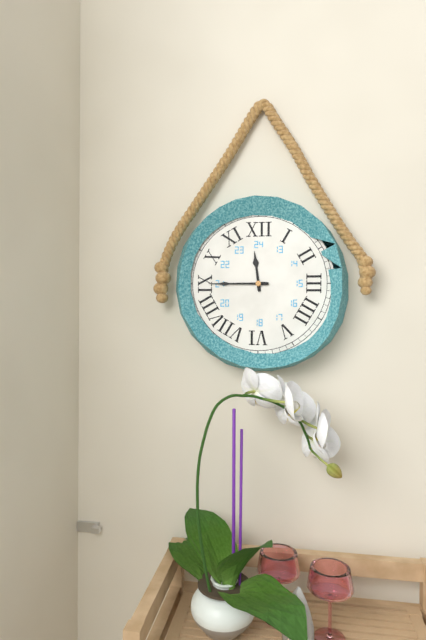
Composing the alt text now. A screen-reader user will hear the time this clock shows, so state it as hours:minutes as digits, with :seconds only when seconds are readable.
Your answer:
11:45
